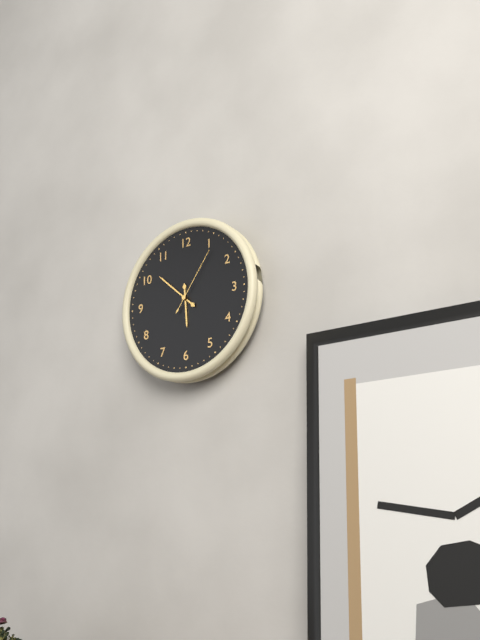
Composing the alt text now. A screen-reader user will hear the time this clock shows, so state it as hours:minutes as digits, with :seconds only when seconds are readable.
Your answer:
5:52:06
